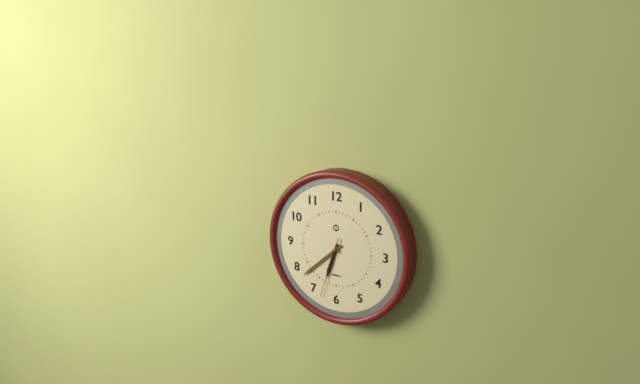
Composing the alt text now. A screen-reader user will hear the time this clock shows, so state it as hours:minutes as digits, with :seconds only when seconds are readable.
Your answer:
6:38:33
